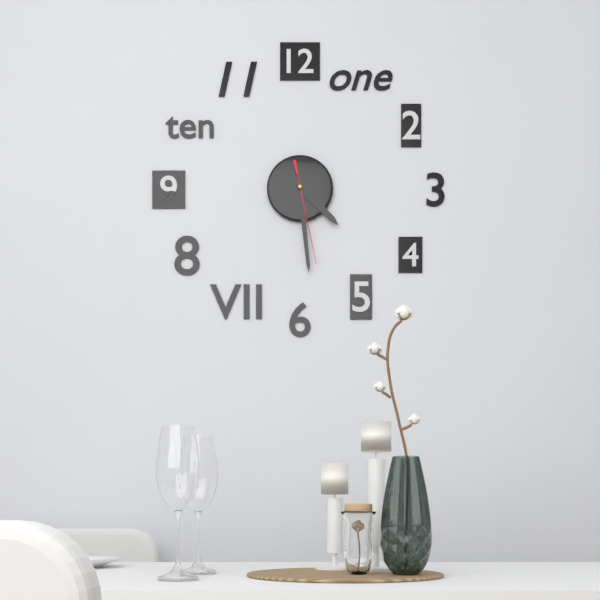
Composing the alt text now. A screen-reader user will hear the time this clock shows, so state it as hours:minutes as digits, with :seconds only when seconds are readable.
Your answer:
4:29:28
